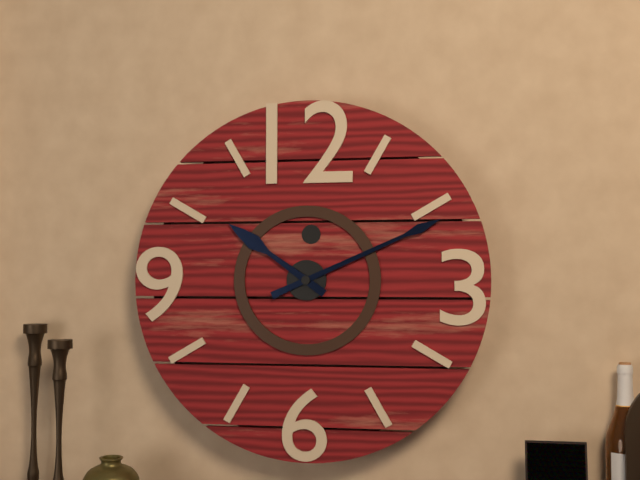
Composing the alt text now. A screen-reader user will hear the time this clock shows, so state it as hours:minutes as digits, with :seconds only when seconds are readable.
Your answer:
10:11
